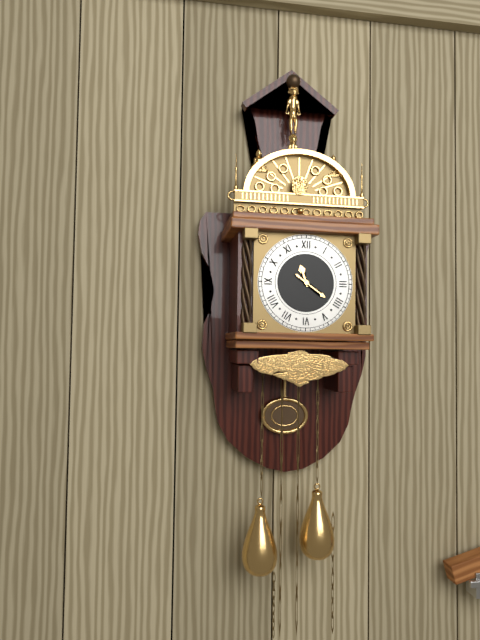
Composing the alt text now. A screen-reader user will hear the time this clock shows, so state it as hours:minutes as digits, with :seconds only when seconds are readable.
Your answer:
11:21
